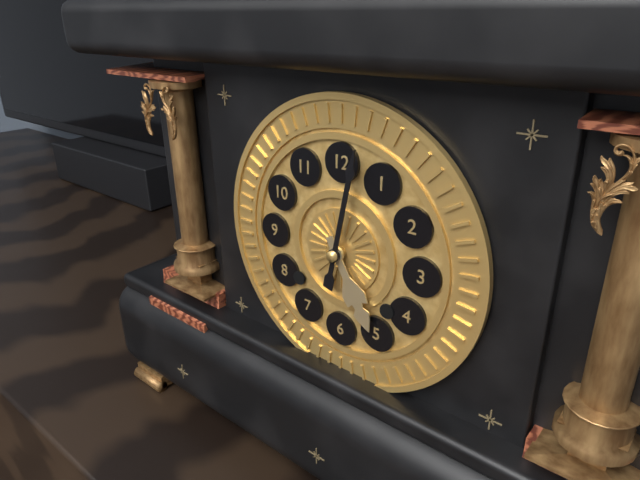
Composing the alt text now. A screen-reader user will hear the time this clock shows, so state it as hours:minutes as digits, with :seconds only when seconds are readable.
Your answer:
5:02
